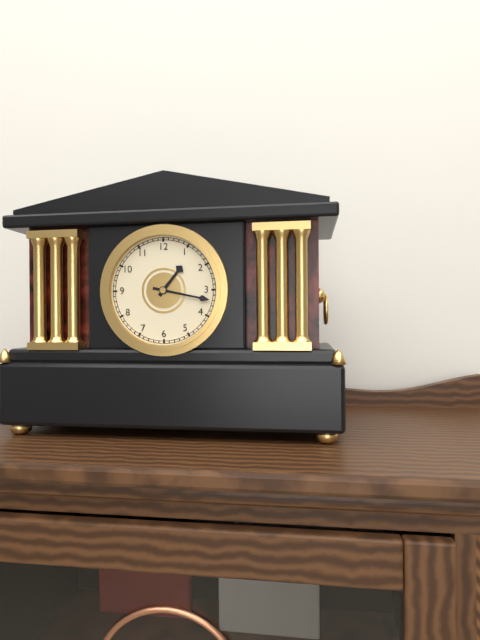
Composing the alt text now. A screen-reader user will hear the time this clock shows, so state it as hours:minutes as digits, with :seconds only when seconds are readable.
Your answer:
1:17
